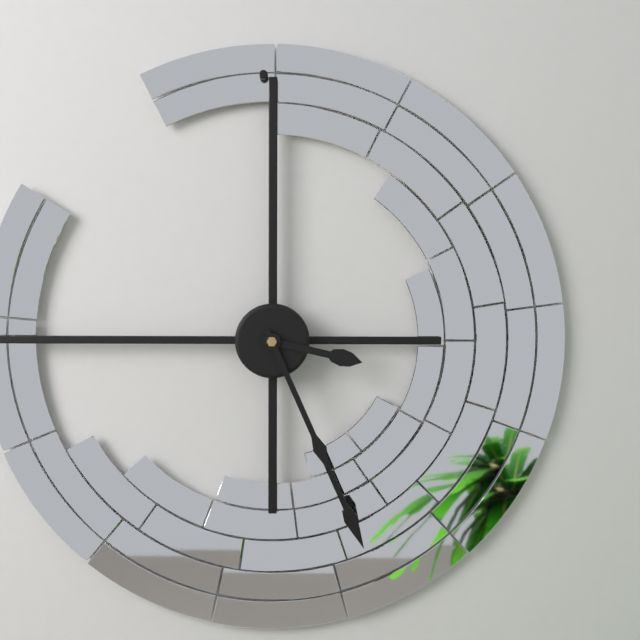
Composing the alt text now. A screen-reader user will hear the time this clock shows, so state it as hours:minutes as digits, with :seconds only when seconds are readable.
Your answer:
3:26
